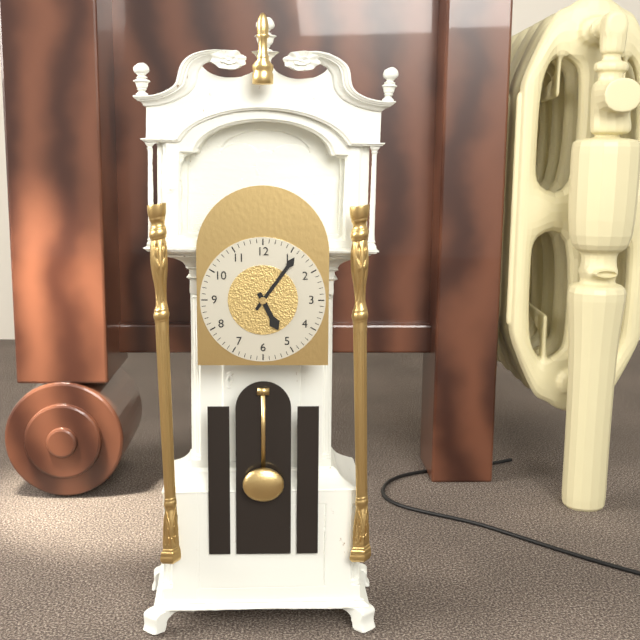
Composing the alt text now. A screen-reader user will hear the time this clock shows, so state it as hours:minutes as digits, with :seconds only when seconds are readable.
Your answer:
5:06
